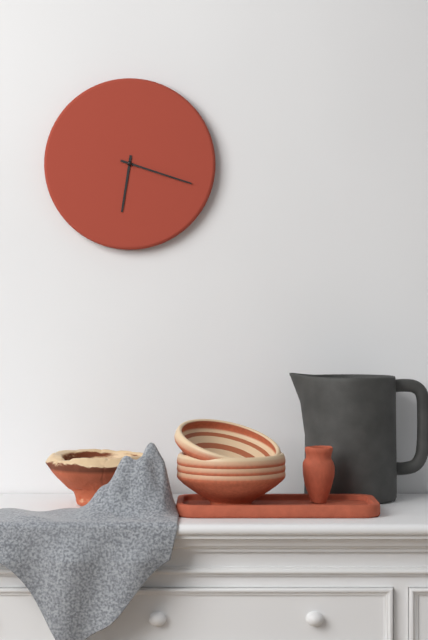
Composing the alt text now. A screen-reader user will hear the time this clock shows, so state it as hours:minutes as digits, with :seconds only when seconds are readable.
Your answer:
6:18
